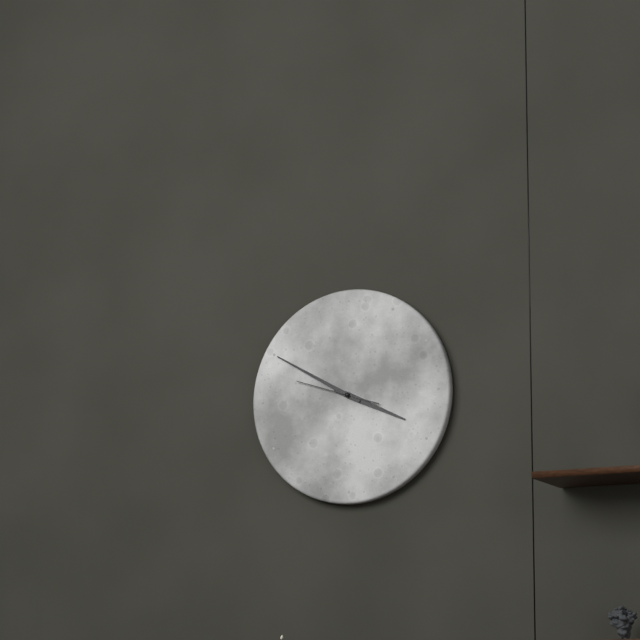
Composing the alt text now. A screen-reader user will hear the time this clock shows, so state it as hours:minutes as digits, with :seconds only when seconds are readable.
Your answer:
3:50:48
